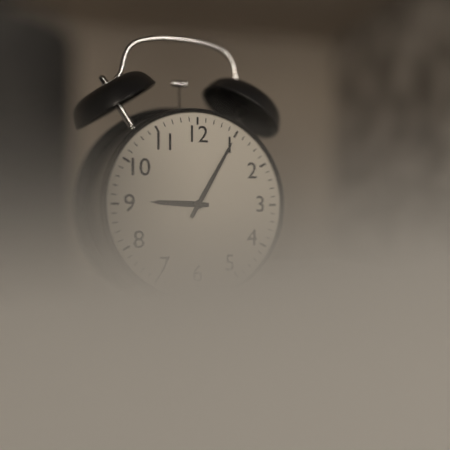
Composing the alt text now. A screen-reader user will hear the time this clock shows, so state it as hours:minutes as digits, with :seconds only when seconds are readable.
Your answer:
9:05
